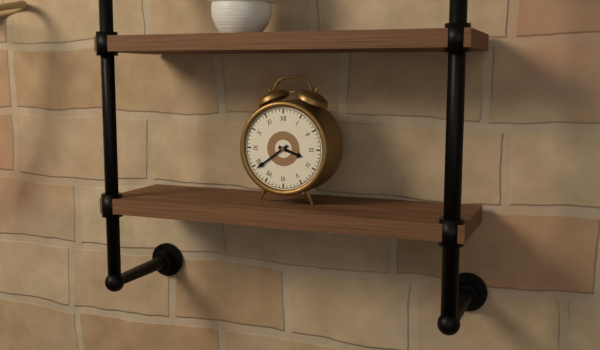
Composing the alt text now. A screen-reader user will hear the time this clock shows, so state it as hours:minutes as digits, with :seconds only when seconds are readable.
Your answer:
3:39
